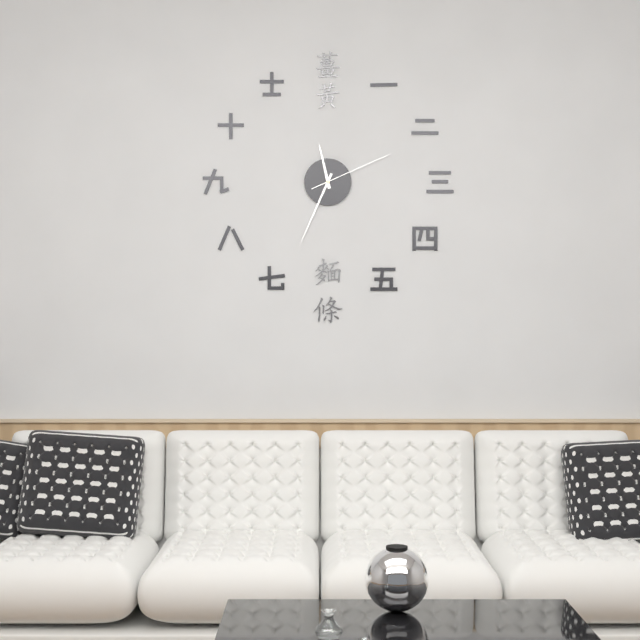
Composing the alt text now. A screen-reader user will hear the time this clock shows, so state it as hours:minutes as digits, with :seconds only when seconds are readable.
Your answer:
11:34:11
